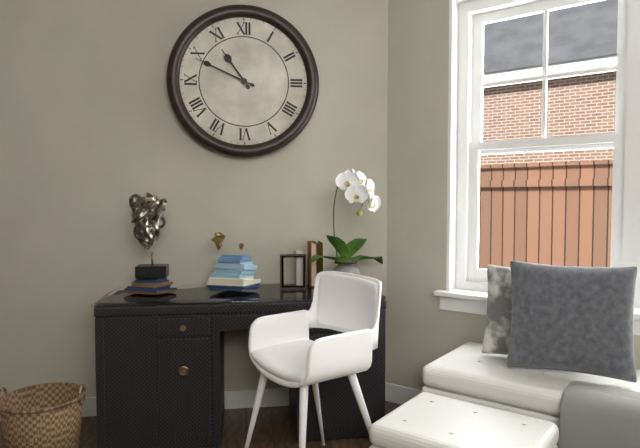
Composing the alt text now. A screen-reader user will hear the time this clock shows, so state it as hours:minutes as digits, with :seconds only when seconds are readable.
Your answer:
10:49
